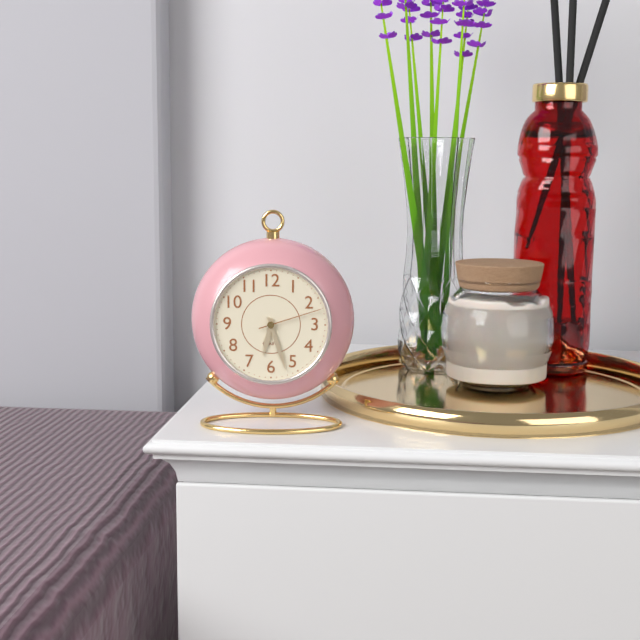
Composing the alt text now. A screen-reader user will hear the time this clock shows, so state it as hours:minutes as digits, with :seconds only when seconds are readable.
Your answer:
6:27:12
